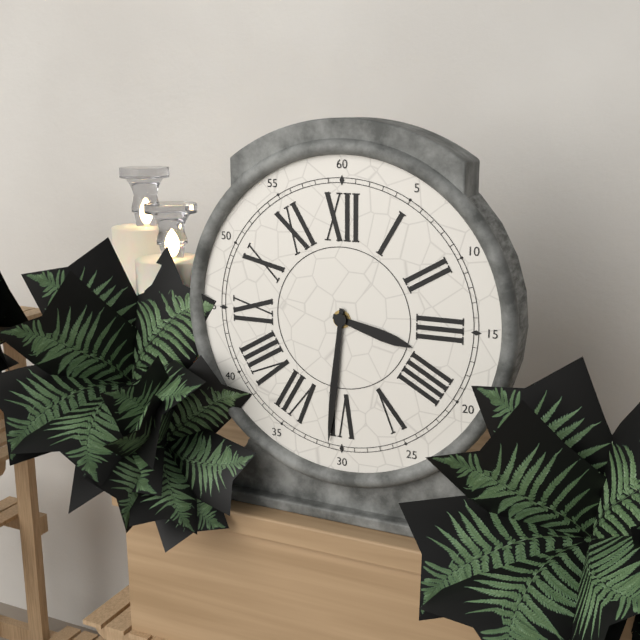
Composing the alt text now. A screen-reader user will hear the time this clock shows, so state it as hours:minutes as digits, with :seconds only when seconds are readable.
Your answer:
3:31
